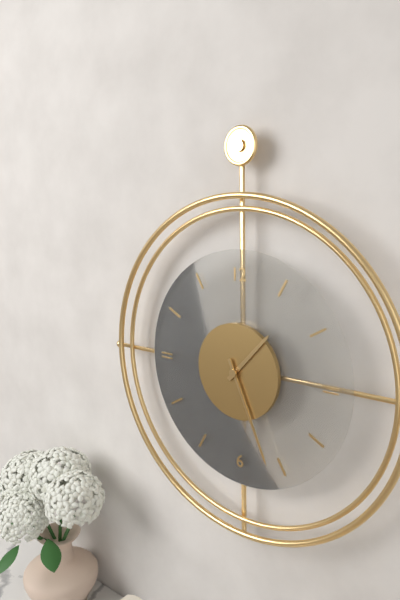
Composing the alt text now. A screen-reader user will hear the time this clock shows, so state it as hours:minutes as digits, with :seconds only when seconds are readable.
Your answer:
1:26
